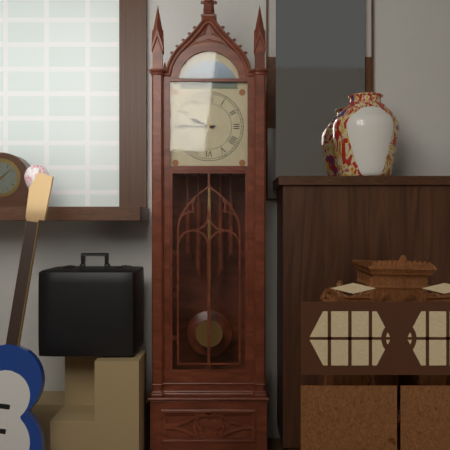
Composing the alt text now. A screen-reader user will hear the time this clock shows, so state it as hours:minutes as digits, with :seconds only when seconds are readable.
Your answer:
9:45
